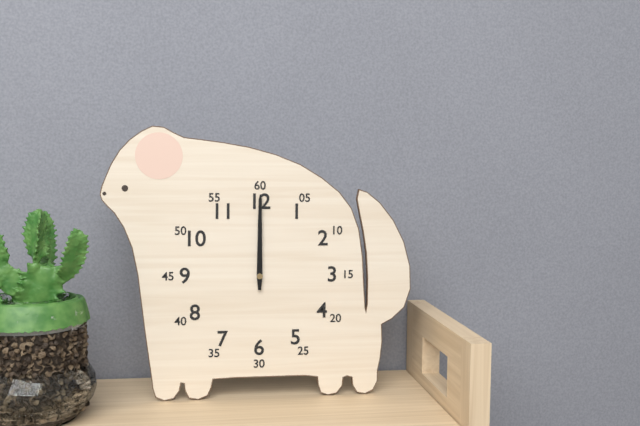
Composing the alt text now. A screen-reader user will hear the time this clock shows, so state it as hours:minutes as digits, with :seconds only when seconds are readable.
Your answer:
12:00
